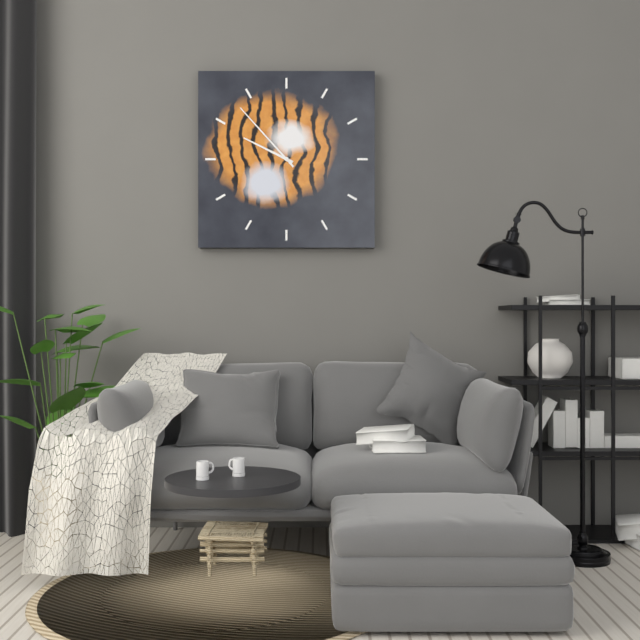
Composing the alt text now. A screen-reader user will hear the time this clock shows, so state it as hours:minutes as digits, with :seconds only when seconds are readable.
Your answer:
9:53
